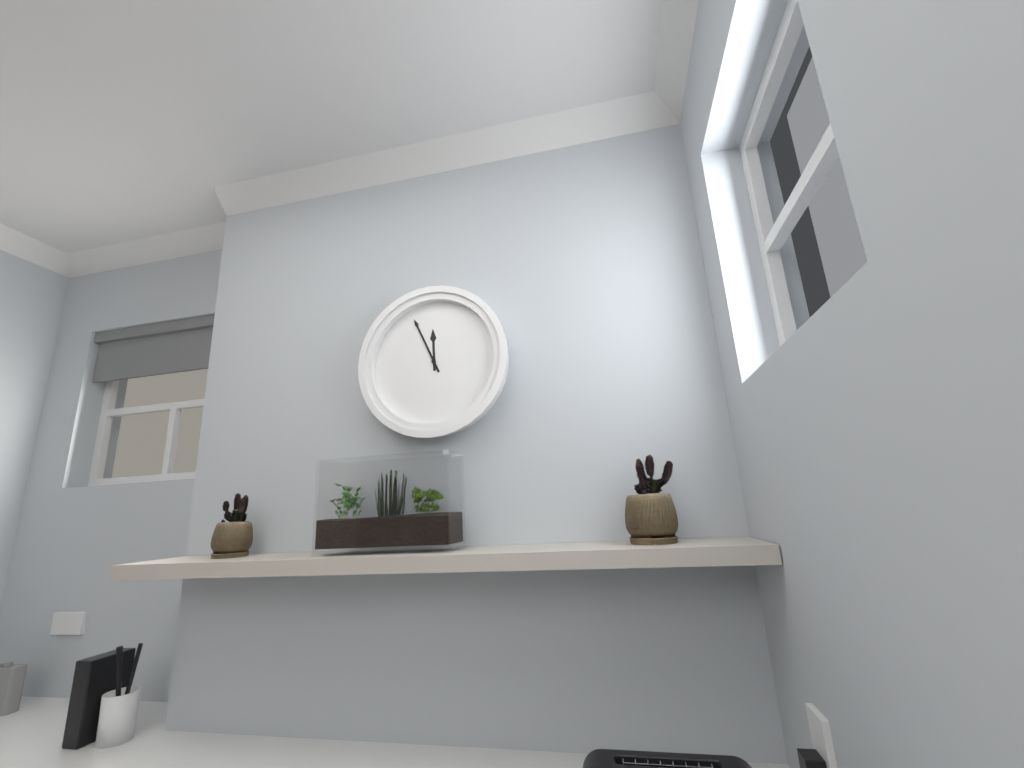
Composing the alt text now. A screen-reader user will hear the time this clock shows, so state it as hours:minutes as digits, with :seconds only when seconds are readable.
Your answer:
11:56
